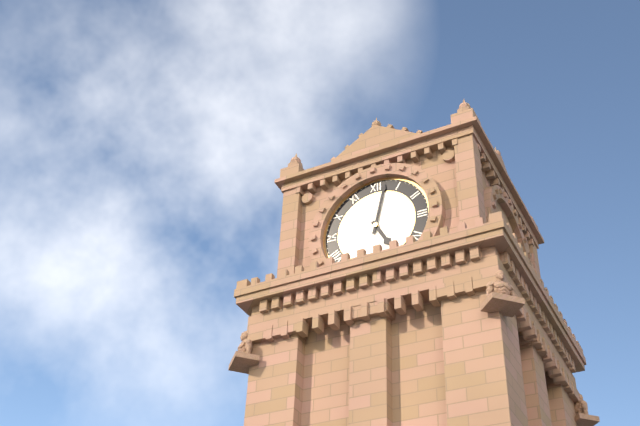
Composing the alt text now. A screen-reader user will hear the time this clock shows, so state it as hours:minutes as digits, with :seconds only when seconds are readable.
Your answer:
5:02
